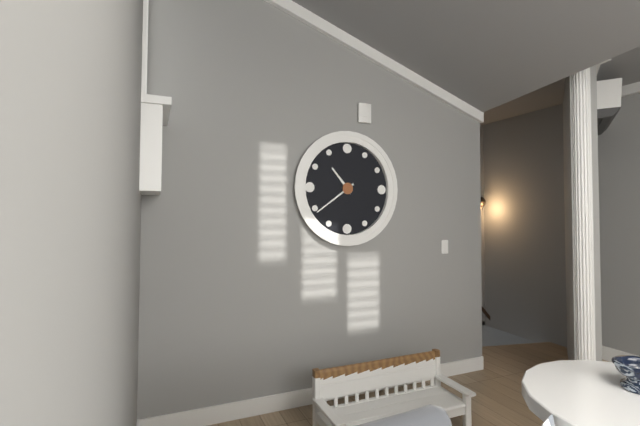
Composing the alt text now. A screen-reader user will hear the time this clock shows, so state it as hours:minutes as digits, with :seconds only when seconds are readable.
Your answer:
10:39
